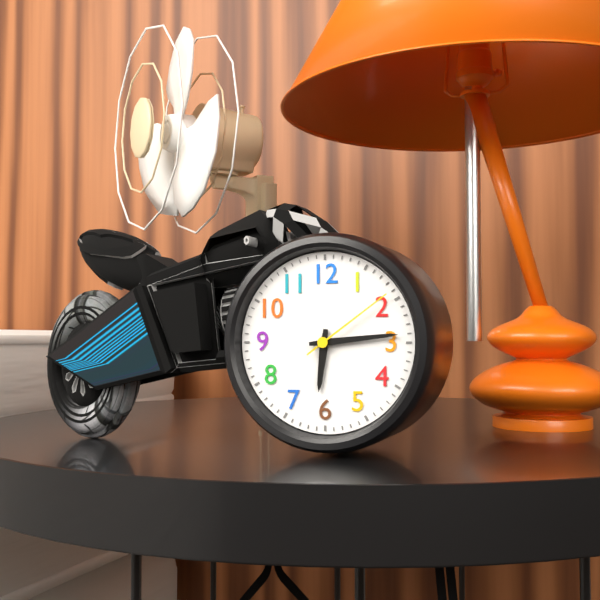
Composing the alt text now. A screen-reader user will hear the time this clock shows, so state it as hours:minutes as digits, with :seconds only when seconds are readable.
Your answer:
6:14:09
